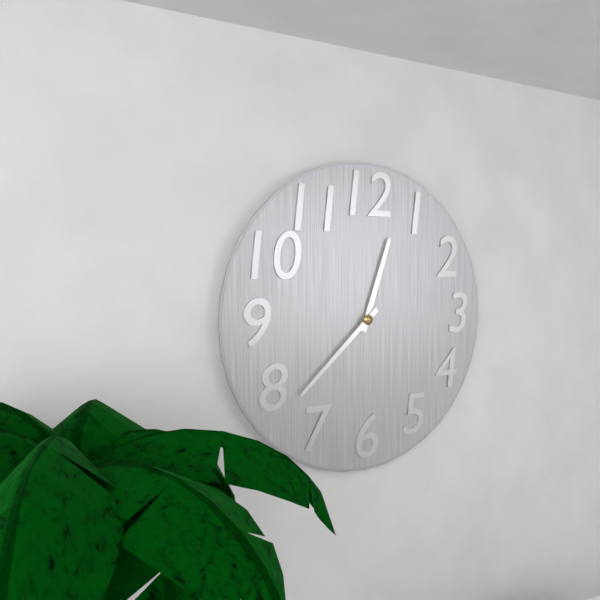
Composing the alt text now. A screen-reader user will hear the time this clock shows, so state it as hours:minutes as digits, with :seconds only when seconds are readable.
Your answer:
12:38
